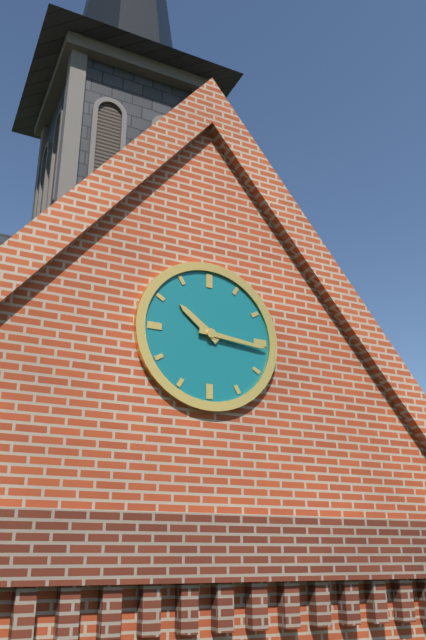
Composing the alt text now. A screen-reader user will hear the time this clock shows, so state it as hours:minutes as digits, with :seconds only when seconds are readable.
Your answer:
10:16
